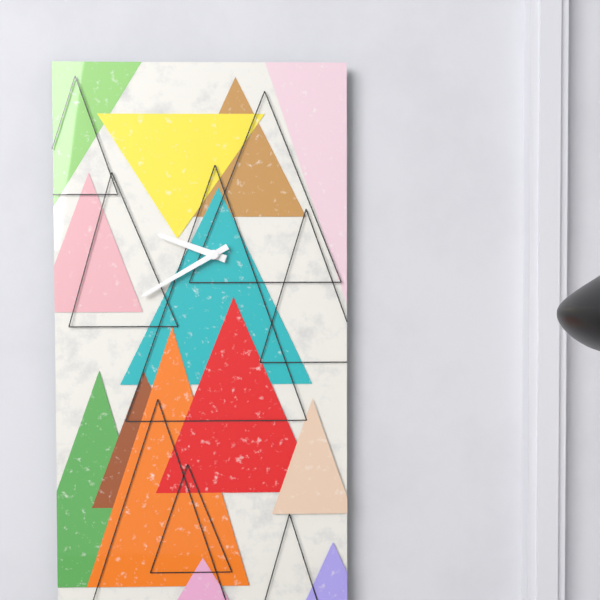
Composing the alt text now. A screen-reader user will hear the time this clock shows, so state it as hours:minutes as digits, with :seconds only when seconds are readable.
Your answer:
9:40
